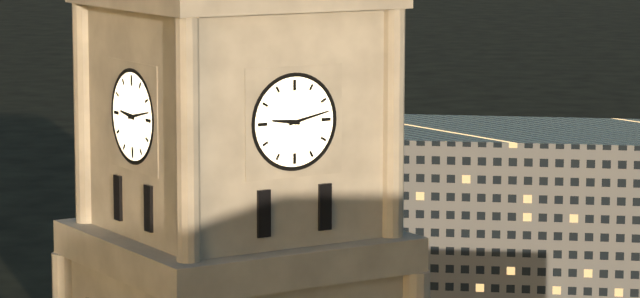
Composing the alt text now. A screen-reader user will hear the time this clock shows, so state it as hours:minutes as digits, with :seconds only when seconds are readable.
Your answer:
9:13
